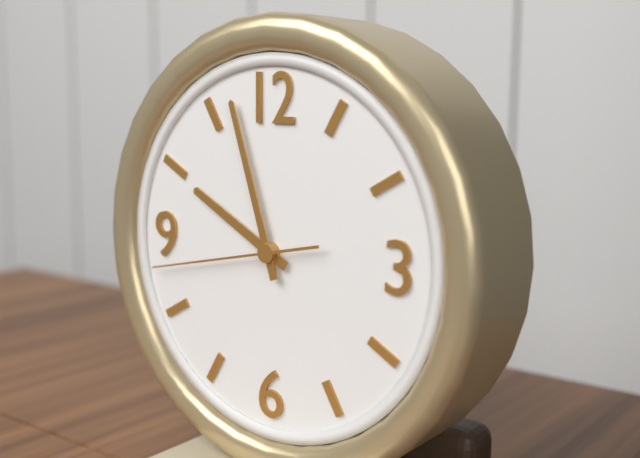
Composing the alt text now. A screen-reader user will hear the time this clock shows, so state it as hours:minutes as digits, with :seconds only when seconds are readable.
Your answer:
9:57:43
